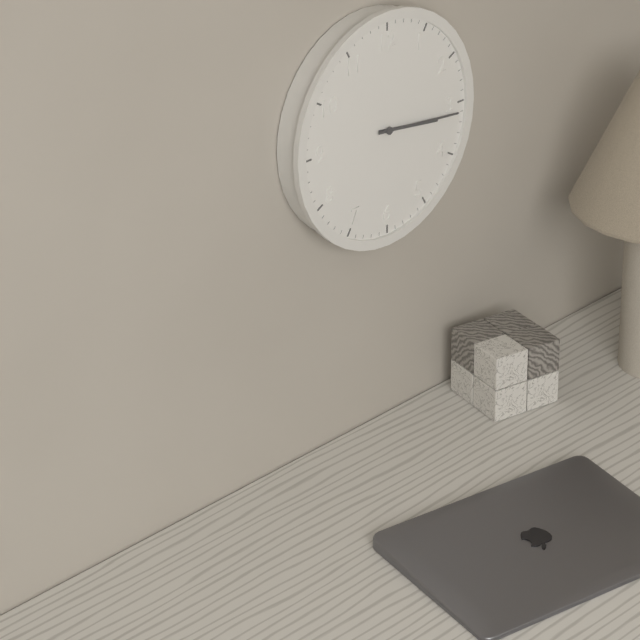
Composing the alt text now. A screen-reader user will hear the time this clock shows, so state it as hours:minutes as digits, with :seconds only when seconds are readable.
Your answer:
3:16
